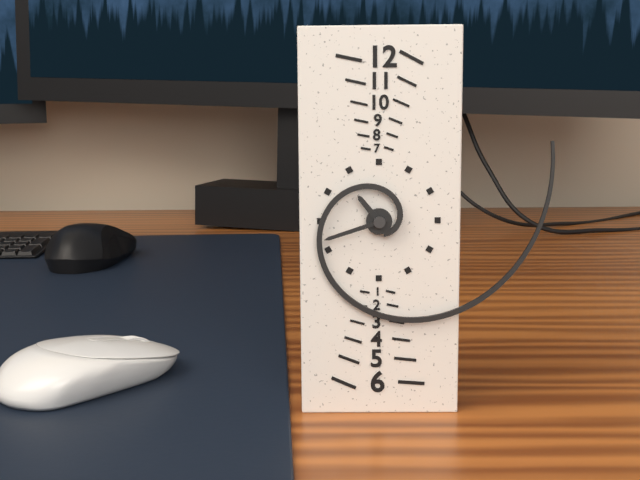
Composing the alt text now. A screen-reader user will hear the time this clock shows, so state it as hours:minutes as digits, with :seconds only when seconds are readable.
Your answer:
10:42
